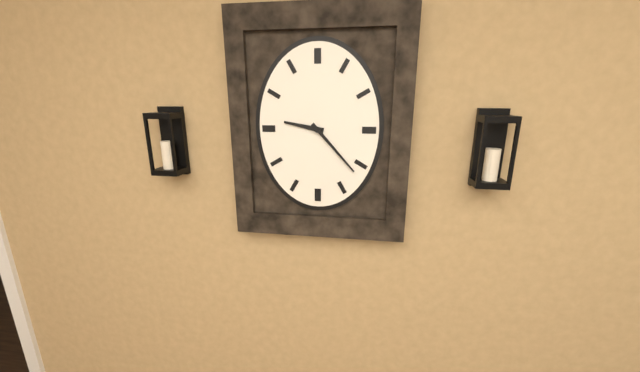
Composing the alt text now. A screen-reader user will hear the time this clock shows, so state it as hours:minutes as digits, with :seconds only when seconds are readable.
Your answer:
9:23
